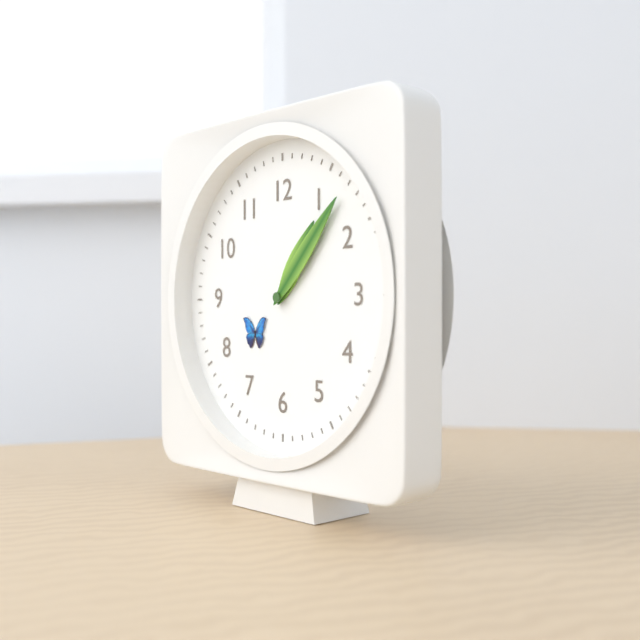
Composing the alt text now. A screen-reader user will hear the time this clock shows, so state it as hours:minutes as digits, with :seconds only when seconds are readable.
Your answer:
1:07
